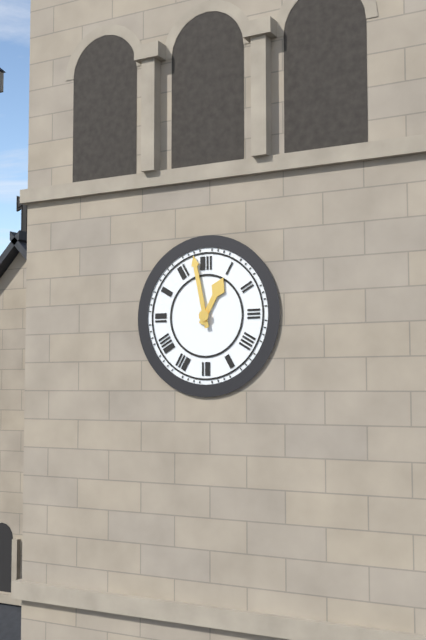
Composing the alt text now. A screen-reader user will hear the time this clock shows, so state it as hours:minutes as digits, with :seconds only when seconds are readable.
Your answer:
12:58
